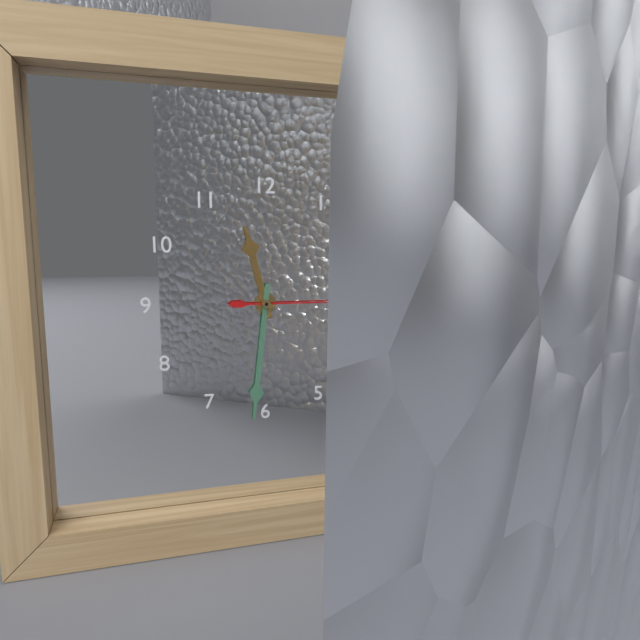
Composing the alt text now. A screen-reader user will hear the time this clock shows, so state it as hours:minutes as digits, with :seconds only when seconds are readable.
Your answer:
11:31
